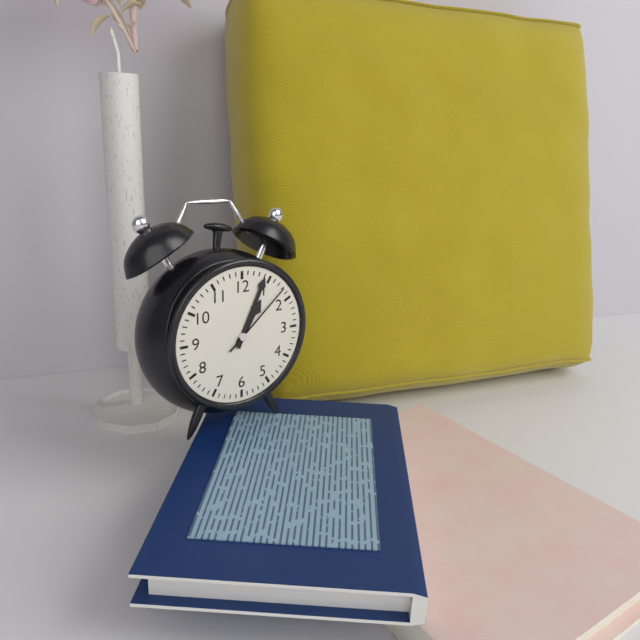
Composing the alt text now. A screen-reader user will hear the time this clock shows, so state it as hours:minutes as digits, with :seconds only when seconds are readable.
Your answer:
1:04:08
